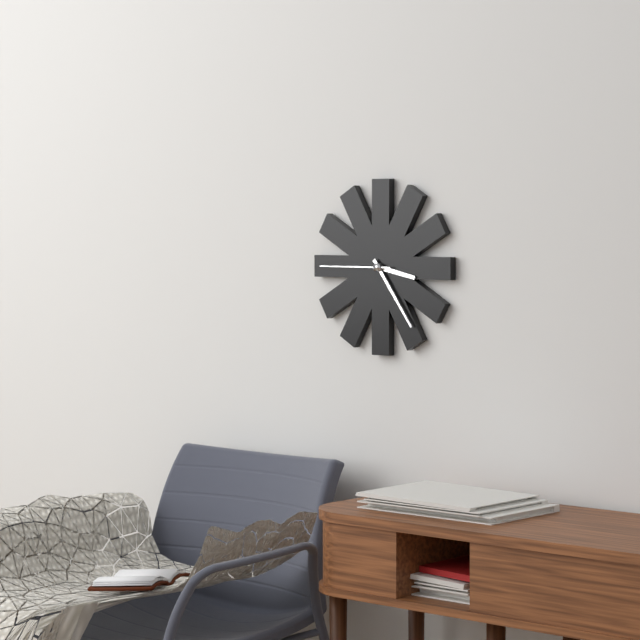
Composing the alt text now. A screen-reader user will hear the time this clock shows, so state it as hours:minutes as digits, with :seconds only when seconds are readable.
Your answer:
3:24:45
